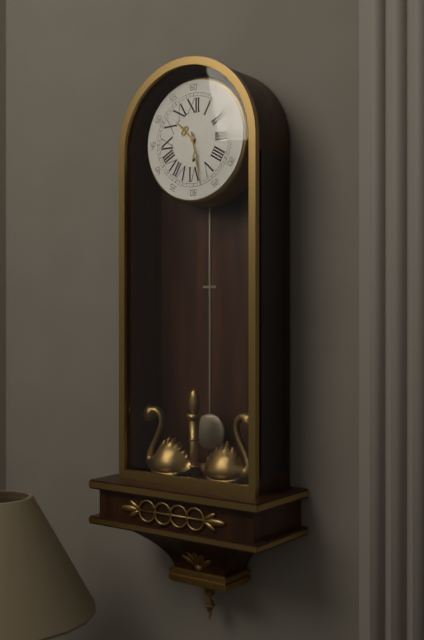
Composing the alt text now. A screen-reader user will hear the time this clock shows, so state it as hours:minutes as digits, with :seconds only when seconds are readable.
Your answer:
10:28
